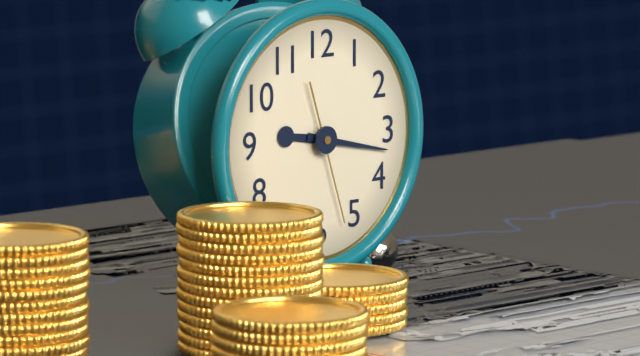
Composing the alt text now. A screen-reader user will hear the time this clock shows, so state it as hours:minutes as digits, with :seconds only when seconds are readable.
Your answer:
9:17:27
